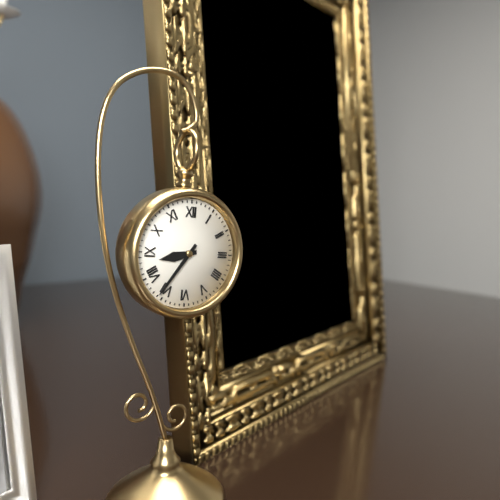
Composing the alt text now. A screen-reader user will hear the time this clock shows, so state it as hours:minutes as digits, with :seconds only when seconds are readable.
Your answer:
8:36
